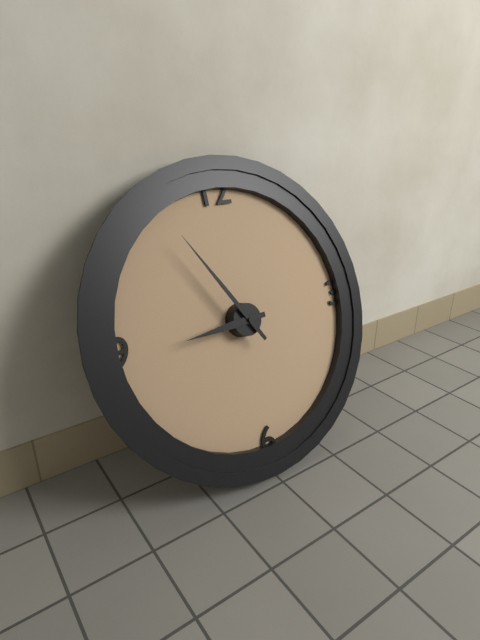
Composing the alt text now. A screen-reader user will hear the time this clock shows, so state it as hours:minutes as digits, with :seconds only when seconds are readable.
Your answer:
8:55
